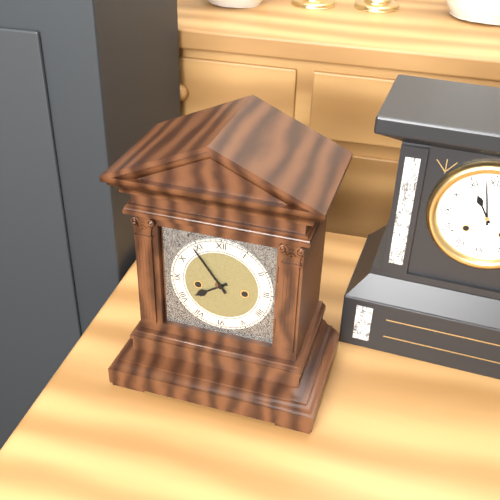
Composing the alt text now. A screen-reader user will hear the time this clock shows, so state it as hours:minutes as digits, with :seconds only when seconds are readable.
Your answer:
7:54
